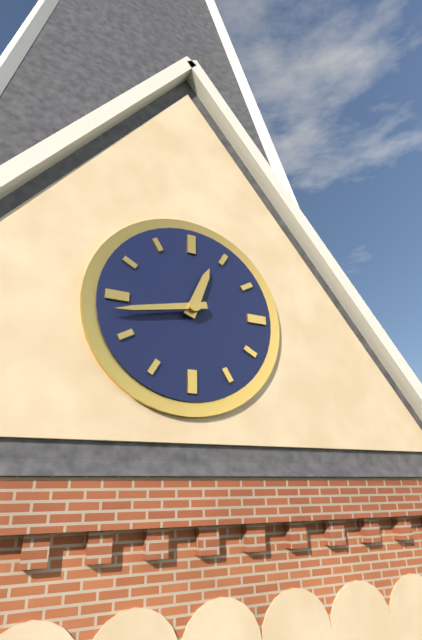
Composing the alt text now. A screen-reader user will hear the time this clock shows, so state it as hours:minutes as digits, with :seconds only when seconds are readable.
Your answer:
12:43
